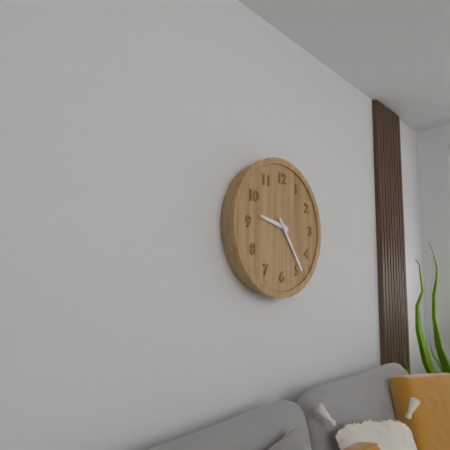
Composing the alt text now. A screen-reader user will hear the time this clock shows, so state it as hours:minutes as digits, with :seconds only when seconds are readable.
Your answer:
9:24
